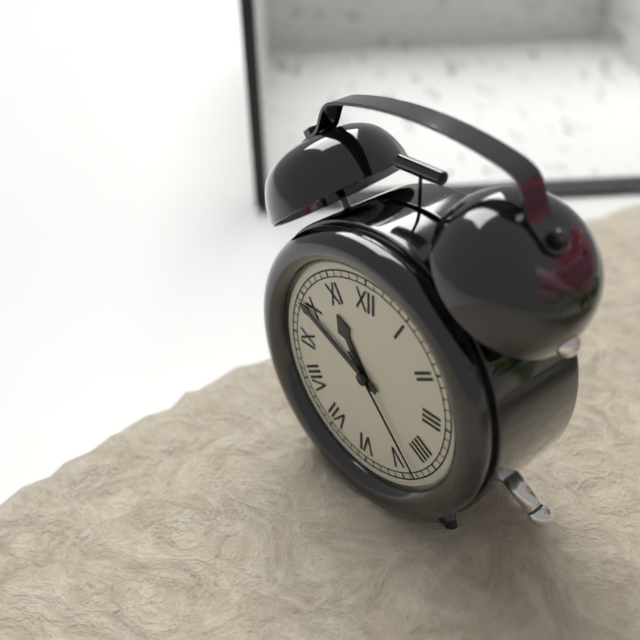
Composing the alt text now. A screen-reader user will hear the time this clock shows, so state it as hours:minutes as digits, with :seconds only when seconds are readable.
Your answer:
10:49:23
